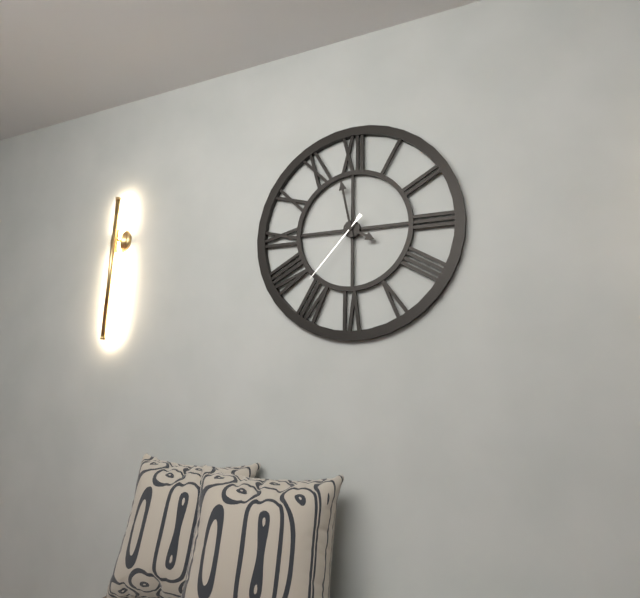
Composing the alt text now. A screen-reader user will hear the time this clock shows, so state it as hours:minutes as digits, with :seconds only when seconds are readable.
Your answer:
3:58:37
